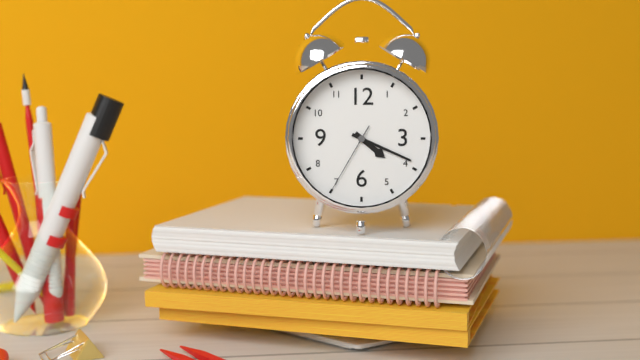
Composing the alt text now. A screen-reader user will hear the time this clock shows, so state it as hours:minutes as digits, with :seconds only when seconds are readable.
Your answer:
4:19:35
